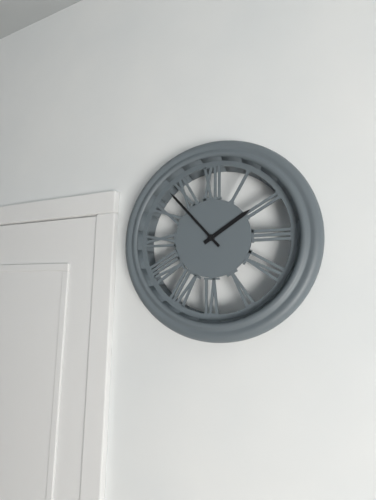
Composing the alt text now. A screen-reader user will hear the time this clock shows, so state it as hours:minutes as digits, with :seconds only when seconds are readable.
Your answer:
1:53
